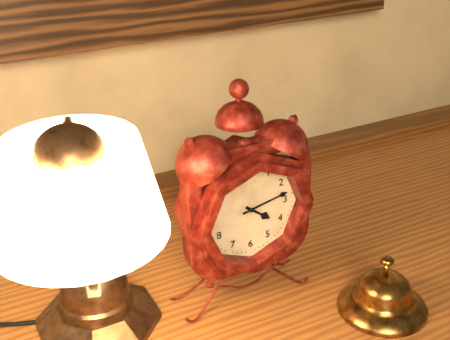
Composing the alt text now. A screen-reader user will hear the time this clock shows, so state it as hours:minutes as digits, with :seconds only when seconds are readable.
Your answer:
4:13
